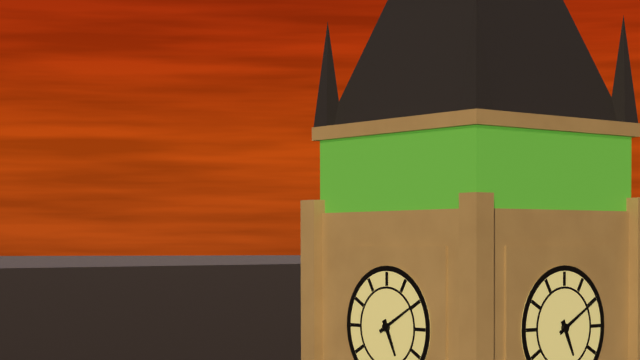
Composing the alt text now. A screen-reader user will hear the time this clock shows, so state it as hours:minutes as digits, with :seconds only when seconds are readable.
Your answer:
5:10
